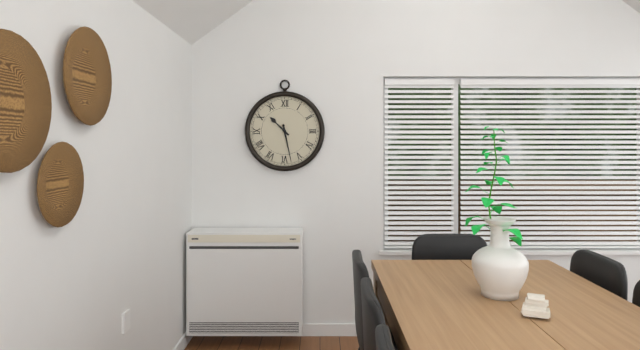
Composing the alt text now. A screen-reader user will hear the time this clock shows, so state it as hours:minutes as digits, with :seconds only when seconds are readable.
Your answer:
10:28
